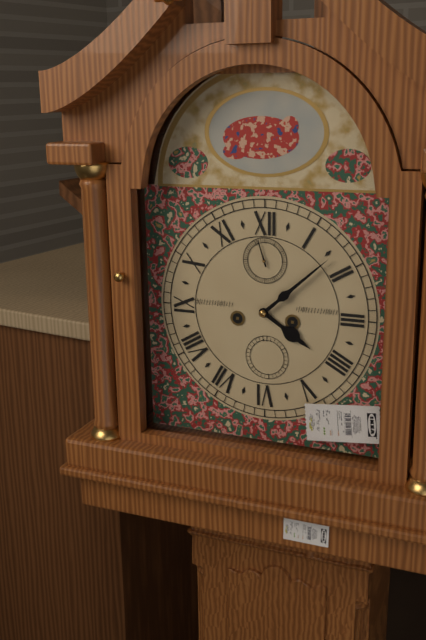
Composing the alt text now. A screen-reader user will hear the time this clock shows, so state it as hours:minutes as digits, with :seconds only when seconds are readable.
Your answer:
4:08
